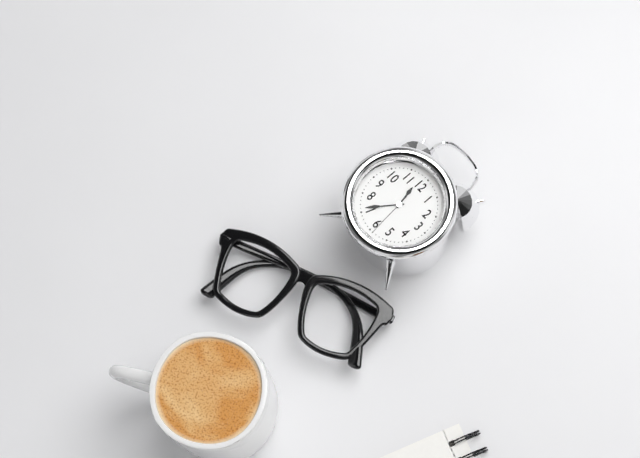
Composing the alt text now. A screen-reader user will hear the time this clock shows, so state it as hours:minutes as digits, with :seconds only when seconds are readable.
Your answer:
11:36
